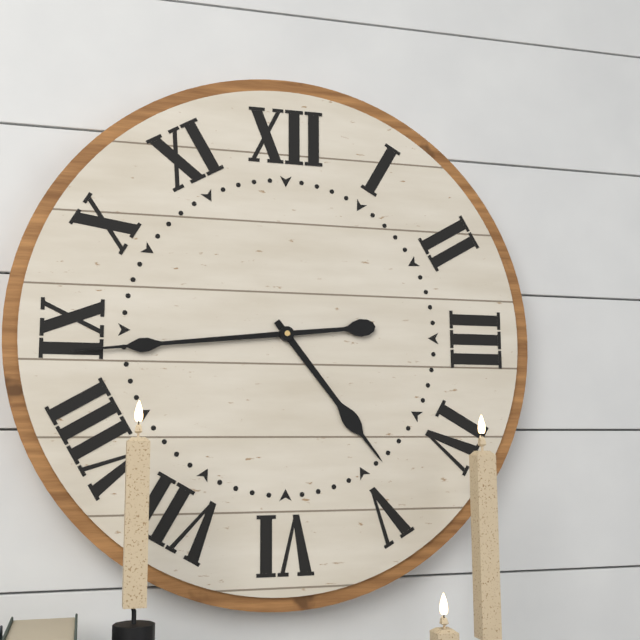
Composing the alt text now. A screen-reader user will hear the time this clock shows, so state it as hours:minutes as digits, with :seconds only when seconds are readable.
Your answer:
4:44
